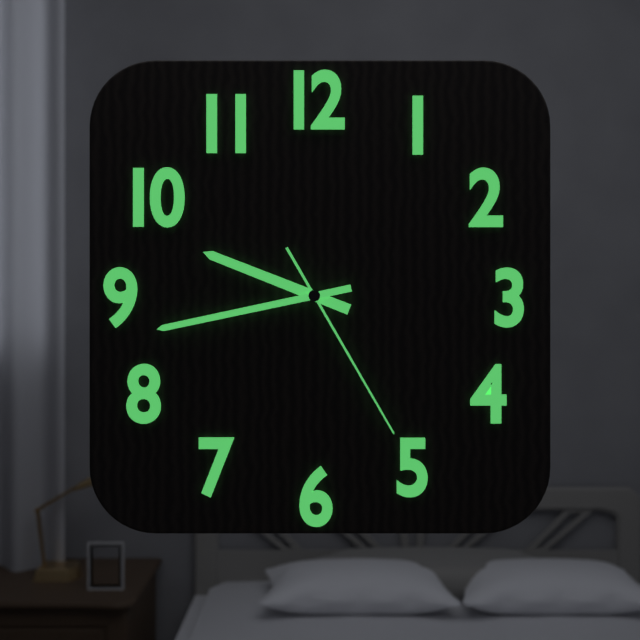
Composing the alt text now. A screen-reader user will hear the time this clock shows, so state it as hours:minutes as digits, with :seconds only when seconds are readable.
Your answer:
9:43:25
